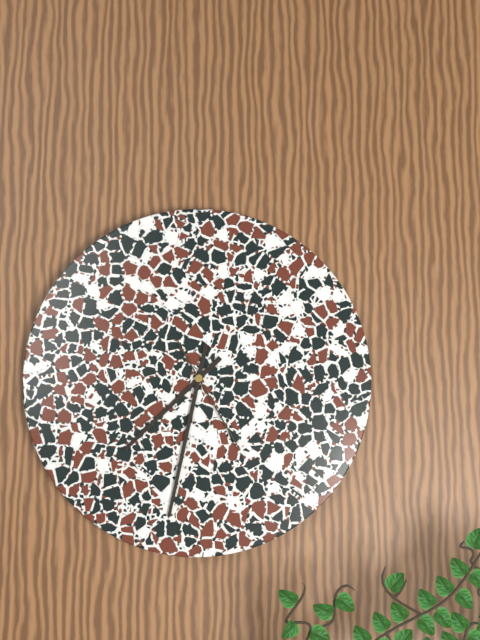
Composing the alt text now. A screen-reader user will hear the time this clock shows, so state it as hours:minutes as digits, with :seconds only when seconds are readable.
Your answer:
7:32:25
